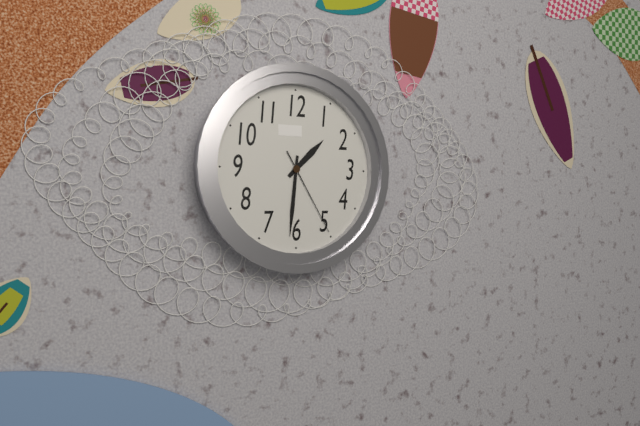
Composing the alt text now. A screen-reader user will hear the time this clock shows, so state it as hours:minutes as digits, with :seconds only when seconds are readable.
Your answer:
1:31:25
